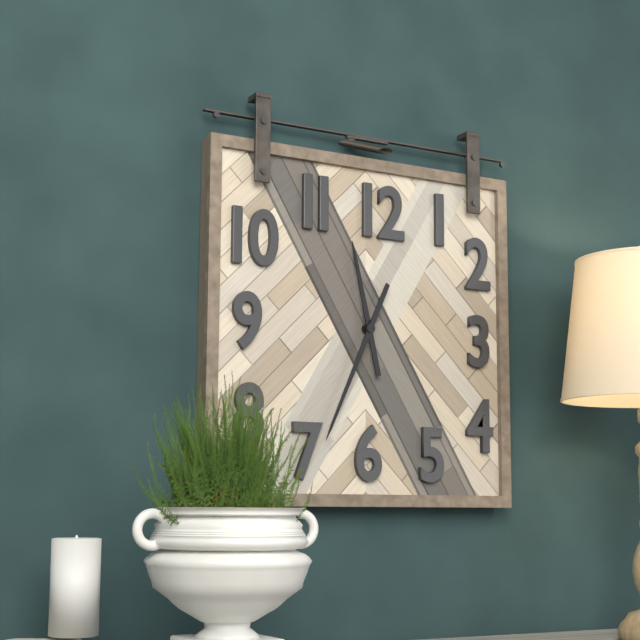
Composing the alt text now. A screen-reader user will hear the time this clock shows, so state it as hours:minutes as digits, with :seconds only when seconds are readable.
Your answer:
11:34
